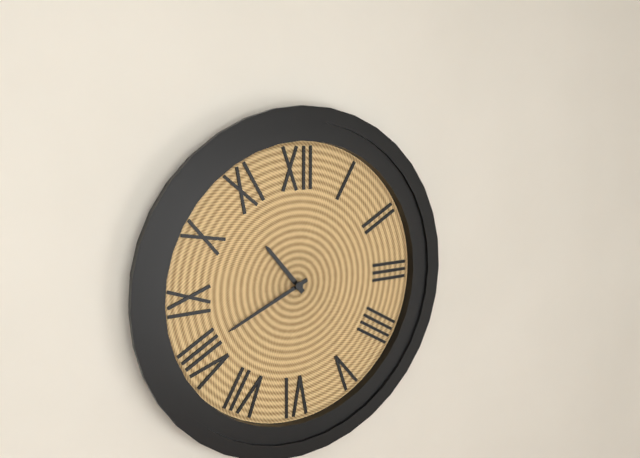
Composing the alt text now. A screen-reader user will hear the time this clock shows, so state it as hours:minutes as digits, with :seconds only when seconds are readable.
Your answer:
10:41
